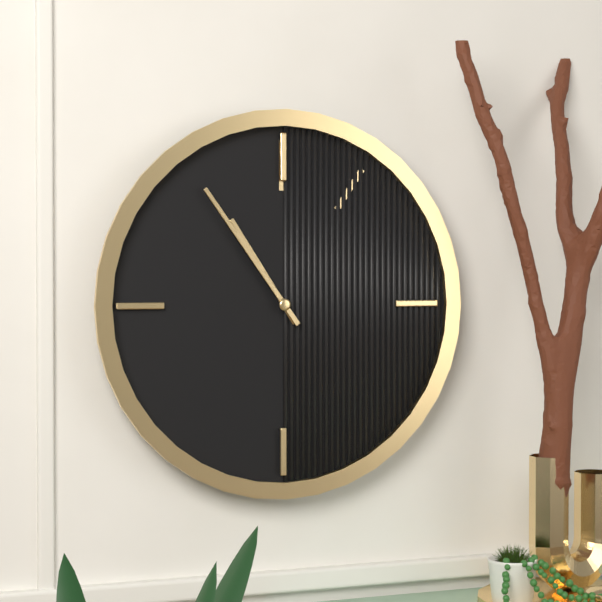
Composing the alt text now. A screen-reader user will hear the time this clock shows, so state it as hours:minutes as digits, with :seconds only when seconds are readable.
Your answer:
10:54
